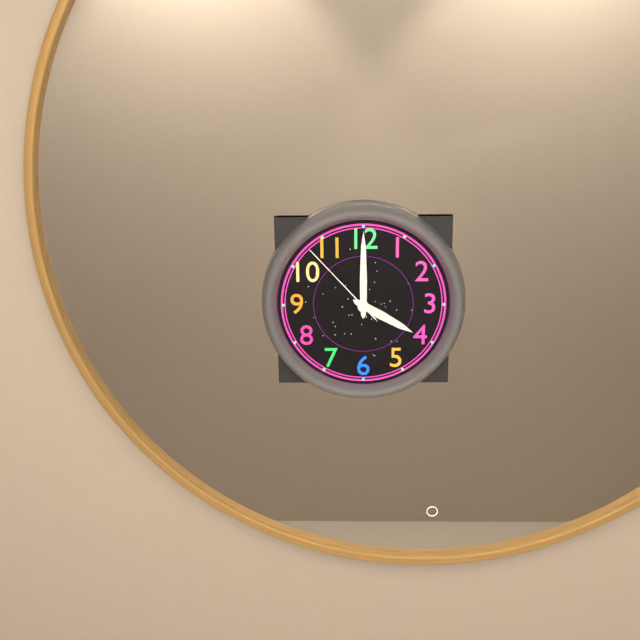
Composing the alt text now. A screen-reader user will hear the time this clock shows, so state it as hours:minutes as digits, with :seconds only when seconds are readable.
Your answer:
4:00:53
